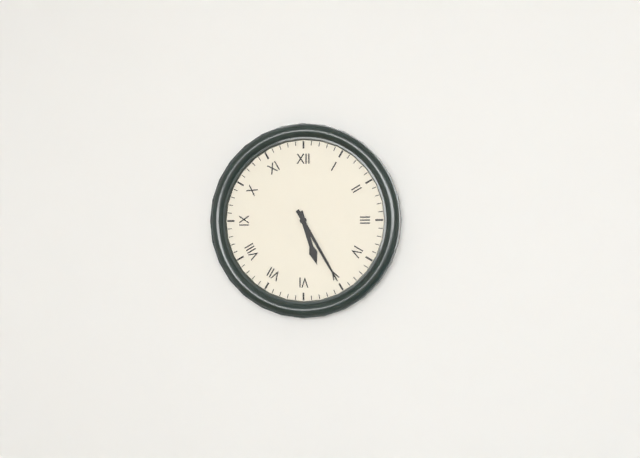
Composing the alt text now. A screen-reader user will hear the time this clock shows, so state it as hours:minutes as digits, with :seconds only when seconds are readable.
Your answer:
5:25
